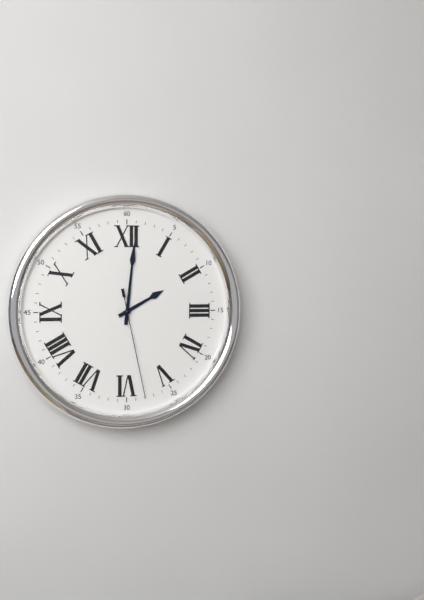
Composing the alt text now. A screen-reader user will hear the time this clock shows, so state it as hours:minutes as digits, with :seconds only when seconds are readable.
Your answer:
2:01:28
